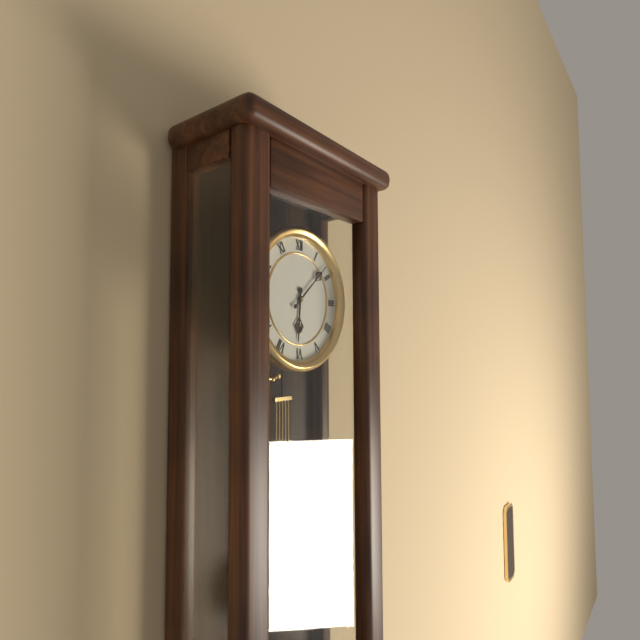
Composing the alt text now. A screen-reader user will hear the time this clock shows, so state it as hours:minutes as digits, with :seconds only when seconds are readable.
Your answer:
6:08
